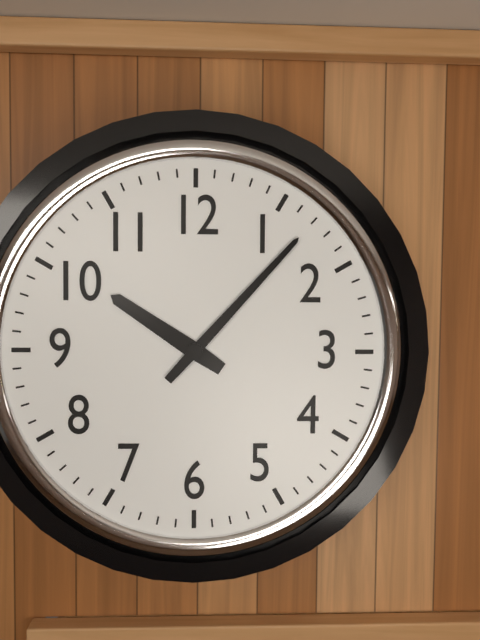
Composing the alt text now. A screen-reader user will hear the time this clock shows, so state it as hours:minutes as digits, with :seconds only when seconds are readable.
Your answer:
10:07
